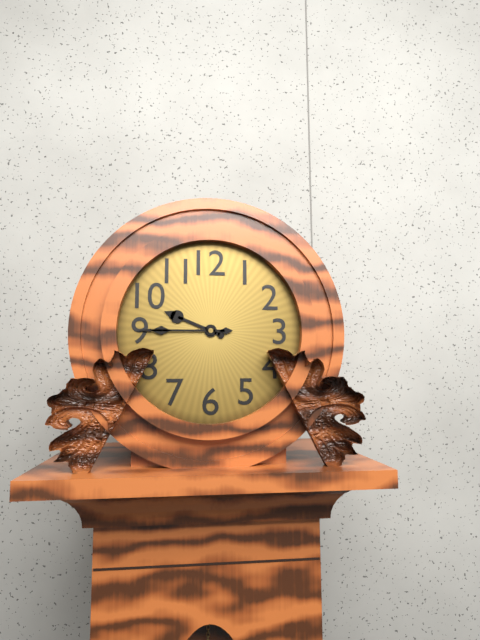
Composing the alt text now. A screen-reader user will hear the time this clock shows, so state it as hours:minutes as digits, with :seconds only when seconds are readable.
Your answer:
9:45
